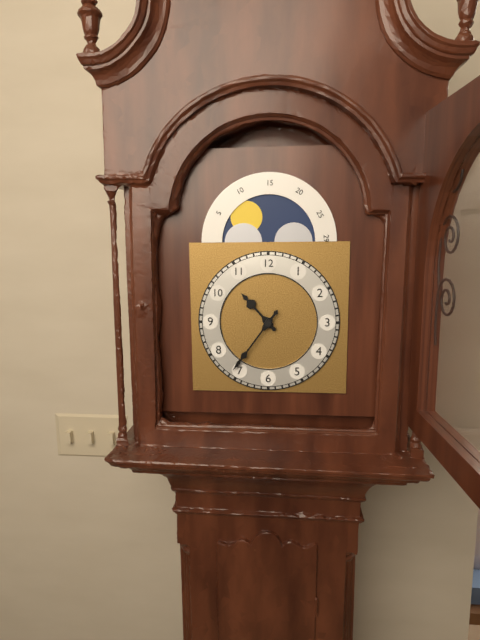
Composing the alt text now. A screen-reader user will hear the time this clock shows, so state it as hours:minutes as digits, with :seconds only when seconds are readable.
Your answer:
10:36
